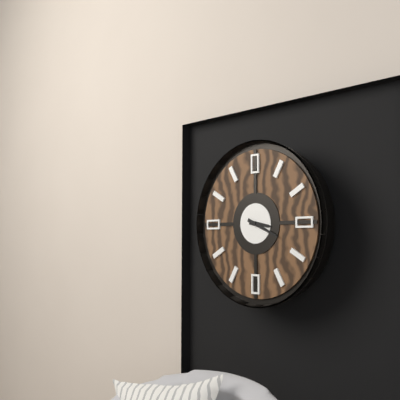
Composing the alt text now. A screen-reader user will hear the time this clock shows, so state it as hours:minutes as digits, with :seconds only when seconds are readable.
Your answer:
3:19
